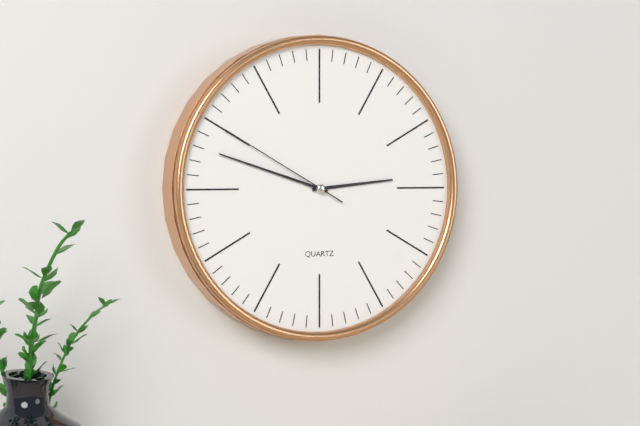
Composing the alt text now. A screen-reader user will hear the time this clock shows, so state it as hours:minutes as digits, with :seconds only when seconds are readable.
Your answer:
2:48:50
